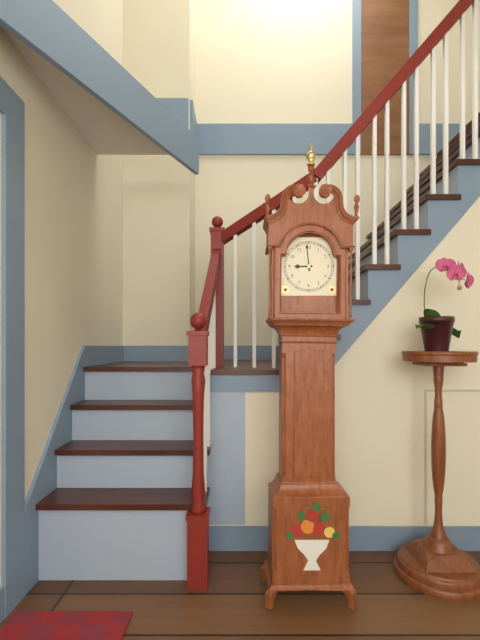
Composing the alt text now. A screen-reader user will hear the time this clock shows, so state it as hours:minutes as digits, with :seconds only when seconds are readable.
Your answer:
8:59
